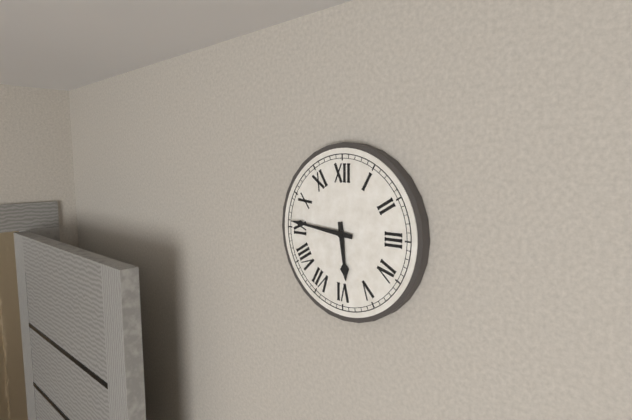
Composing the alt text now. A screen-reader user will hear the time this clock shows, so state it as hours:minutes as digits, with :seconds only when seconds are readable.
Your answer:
5:46
